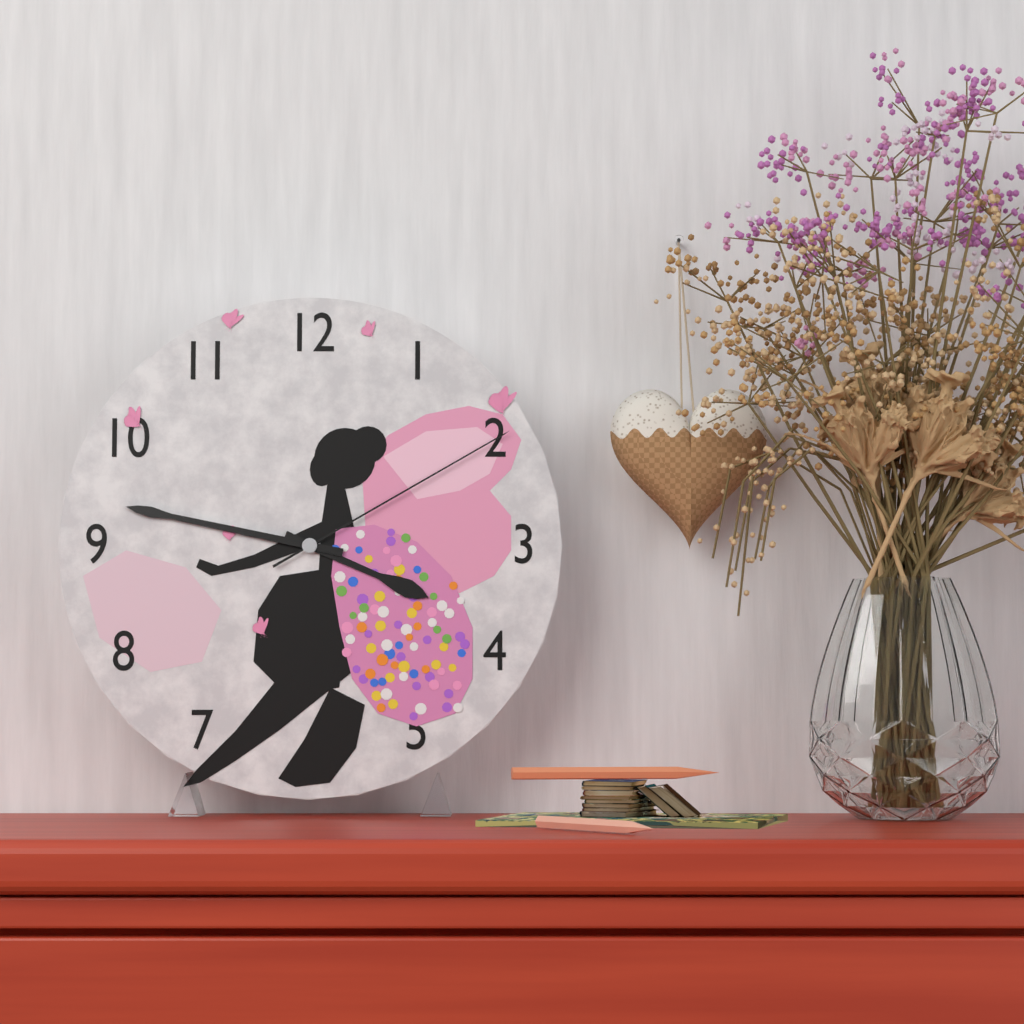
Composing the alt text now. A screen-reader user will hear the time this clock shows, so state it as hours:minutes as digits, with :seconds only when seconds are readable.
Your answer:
3:47:10
